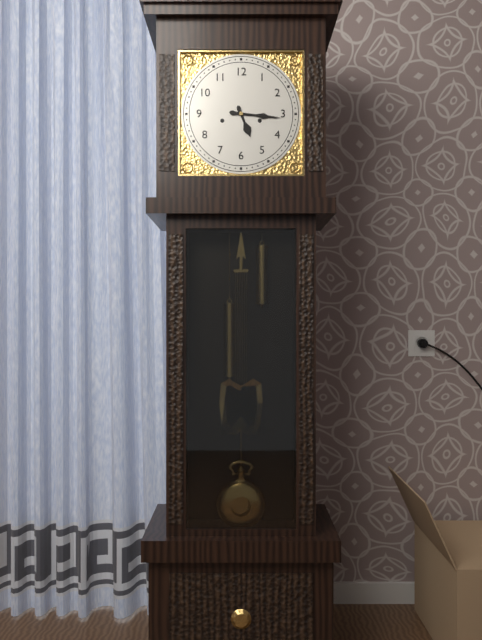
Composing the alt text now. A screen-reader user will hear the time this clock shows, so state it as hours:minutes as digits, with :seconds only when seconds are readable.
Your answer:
5:16
